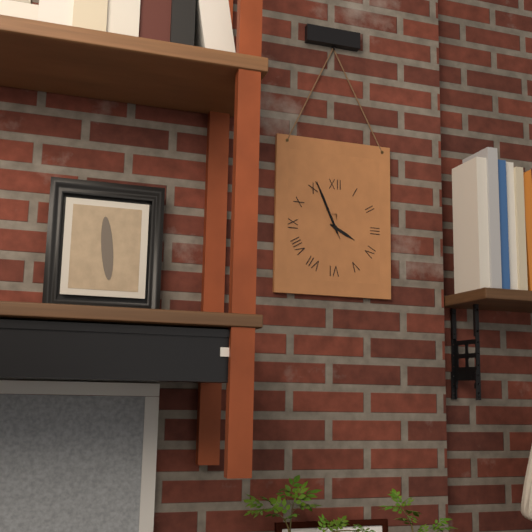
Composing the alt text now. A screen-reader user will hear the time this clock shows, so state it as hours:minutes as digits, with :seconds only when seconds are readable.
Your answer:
3:56:56
